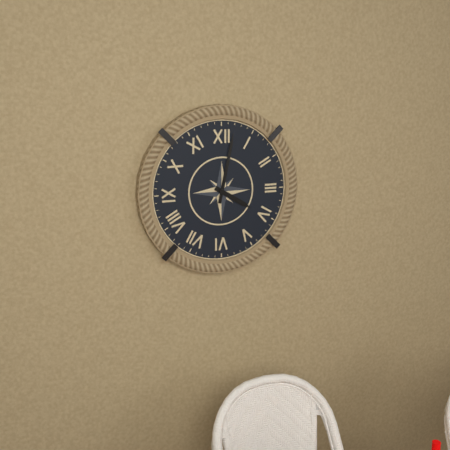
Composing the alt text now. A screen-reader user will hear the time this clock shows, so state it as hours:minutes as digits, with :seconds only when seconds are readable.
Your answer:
4:02
